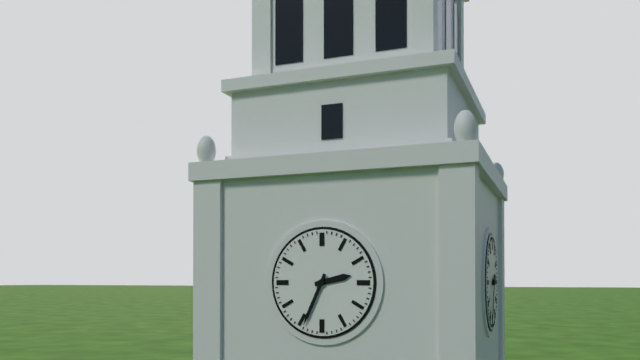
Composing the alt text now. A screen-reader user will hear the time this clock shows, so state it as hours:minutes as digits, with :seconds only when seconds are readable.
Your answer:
2:34
